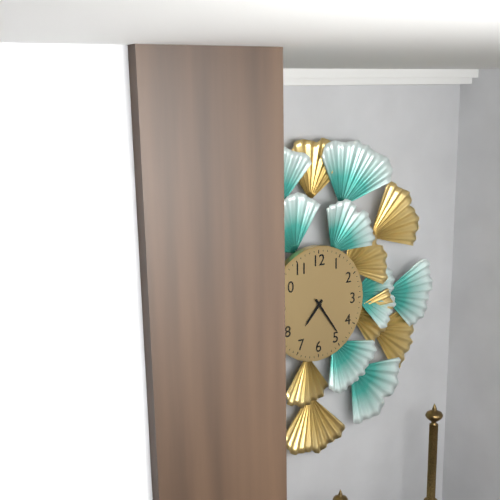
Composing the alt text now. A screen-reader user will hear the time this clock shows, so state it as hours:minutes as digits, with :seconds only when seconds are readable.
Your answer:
7:24
